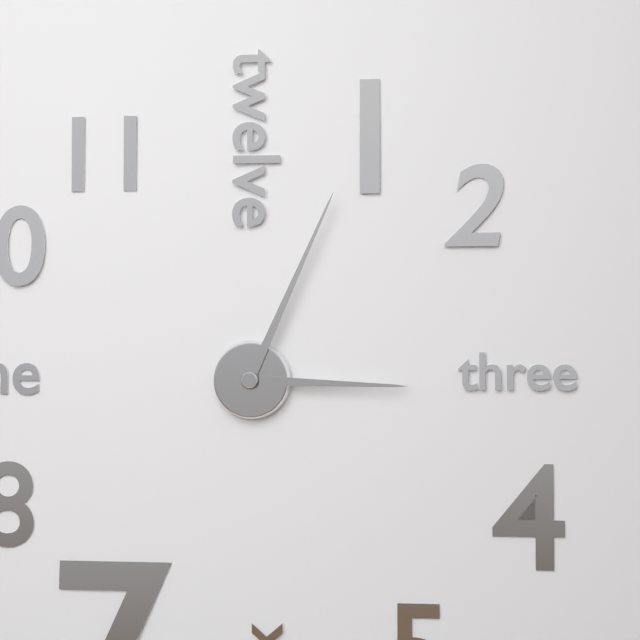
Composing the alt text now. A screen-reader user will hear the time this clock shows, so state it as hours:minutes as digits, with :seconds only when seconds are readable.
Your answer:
3:04
